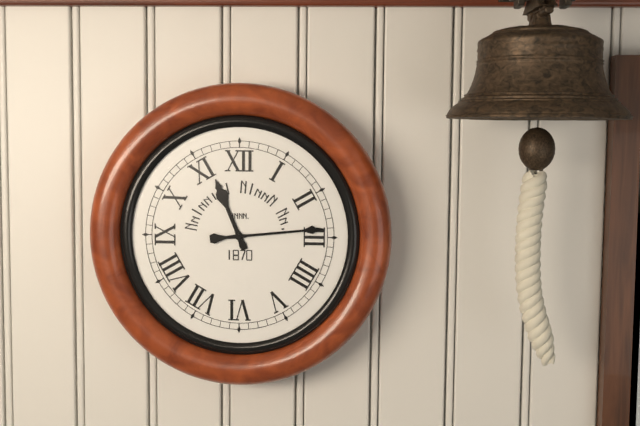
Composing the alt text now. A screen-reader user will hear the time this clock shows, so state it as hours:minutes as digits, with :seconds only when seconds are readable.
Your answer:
11:14
